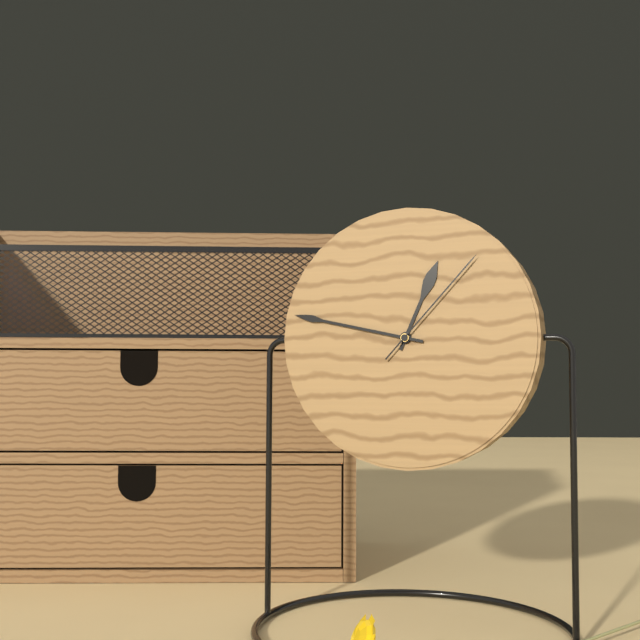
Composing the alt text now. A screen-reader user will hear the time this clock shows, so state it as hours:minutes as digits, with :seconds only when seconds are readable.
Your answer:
12:47:07
